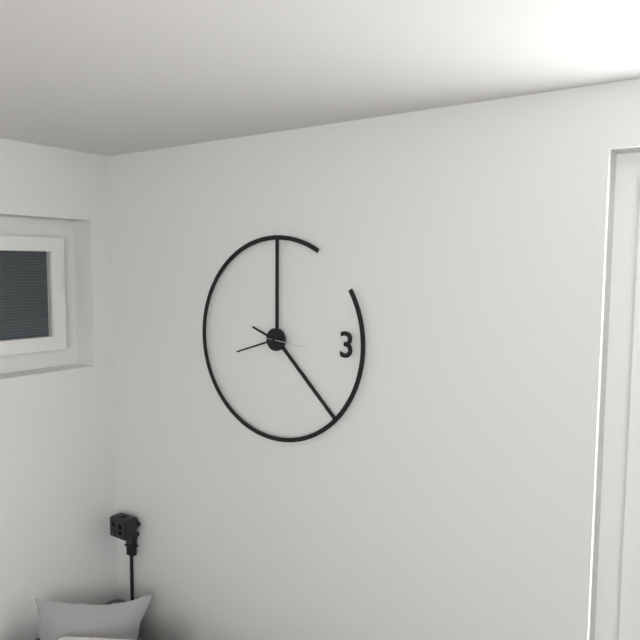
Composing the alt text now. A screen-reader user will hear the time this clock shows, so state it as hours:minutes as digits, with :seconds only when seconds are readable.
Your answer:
9:42
